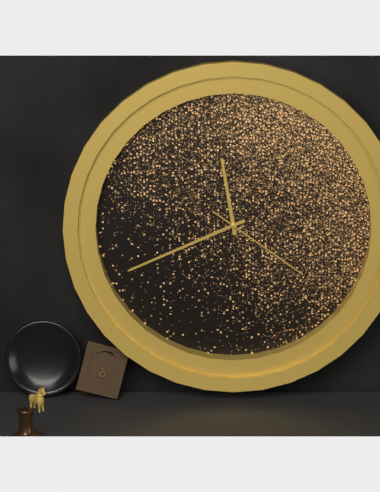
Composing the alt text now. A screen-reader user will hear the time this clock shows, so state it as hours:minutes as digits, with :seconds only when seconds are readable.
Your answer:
11:41:21
